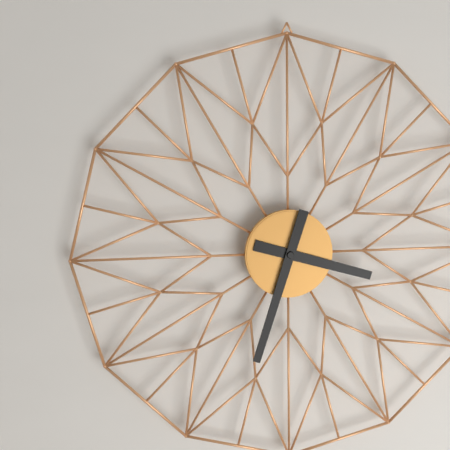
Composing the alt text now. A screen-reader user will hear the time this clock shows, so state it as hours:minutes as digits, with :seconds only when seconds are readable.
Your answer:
3:33
